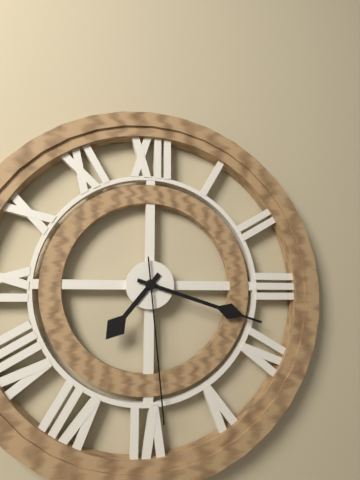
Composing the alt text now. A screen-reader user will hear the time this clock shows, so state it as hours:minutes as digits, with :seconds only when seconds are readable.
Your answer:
7:18:29
